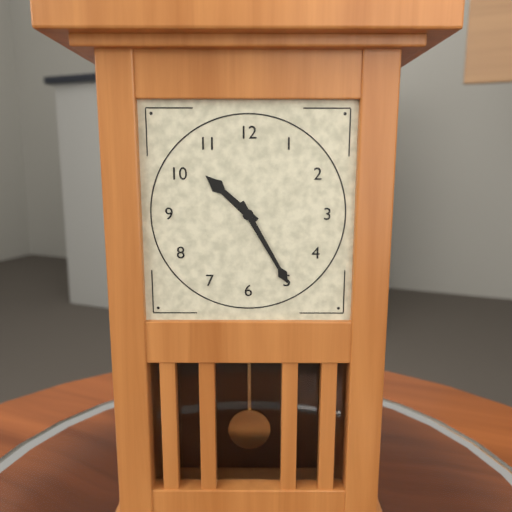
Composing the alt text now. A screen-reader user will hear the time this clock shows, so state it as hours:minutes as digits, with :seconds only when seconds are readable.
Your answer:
10:25
